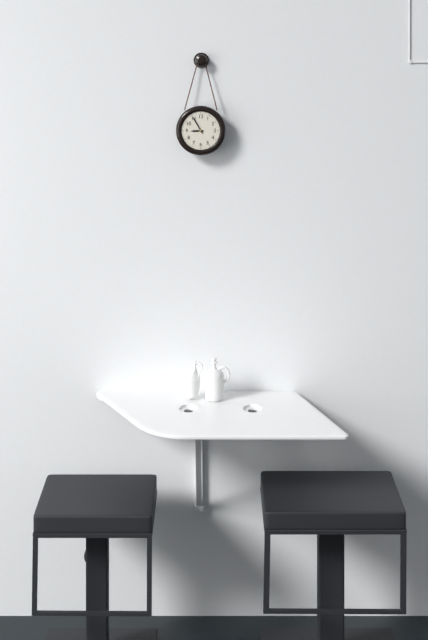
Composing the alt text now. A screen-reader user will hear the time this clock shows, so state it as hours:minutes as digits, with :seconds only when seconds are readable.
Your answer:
8:55
